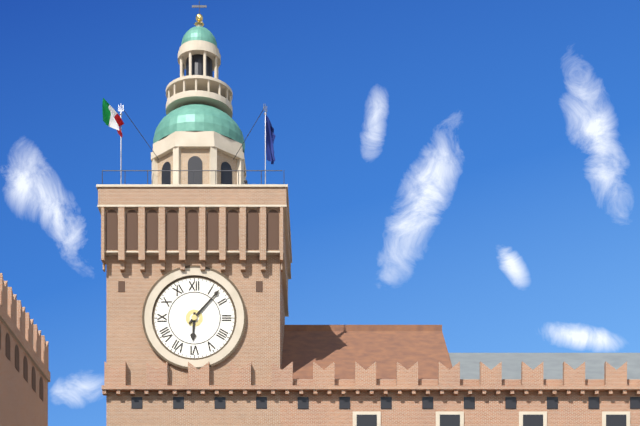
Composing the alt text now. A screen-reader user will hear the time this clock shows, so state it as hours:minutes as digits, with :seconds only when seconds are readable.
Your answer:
6:07
